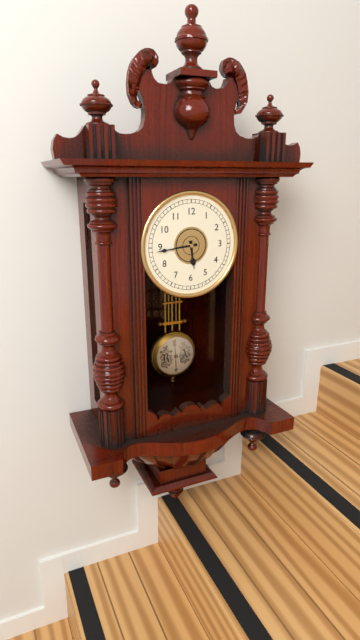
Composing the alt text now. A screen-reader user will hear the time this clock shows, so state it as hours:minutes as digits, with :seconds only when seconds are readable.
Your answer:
5:44
